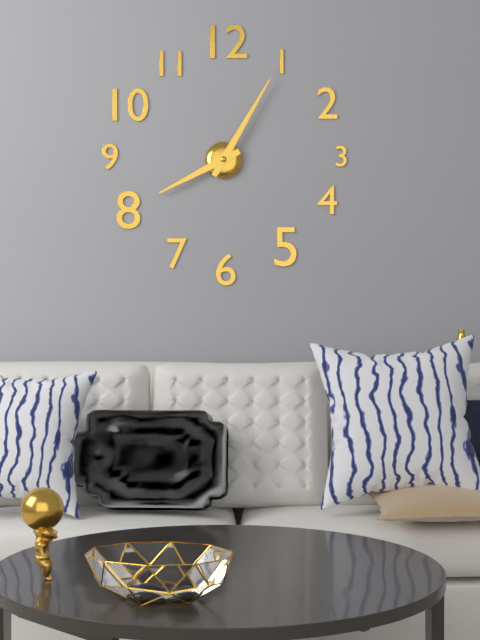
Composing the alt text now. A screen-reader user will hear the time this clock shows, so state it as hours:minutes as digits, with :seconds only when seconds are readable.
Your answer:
8:05
